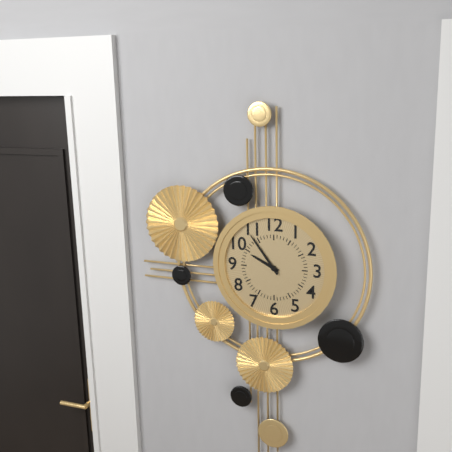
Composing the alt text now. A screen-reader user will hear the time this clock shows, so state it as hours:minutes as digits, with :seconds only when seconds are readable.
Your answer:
9:54
